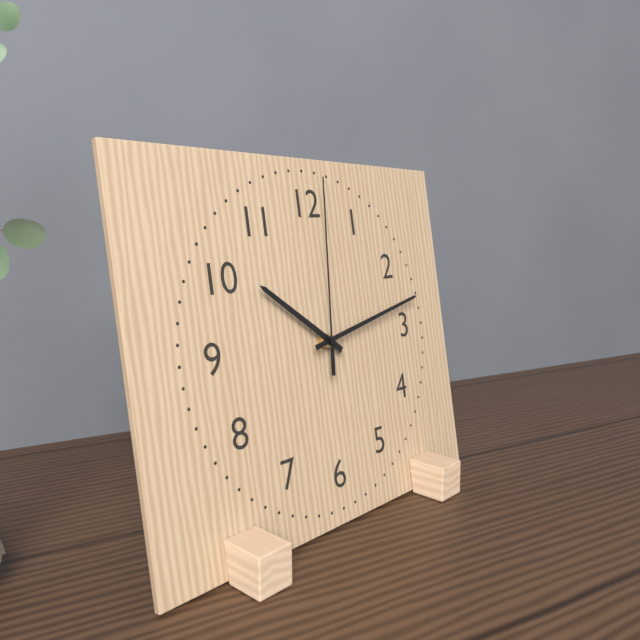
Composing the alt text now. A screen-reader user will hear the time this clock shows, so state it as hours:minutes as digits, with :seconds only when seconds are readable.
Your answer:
10:13:01
